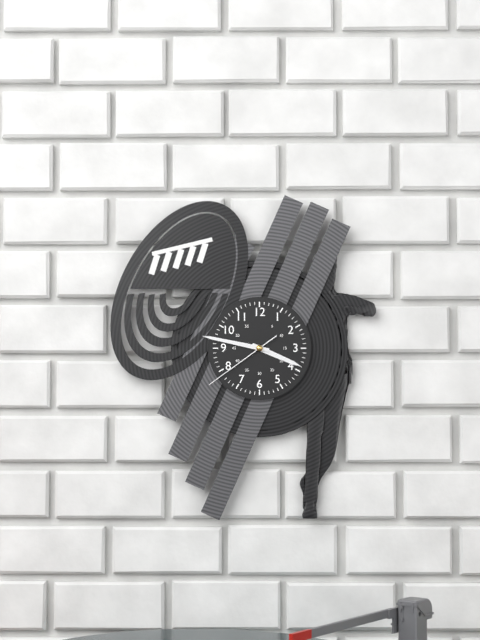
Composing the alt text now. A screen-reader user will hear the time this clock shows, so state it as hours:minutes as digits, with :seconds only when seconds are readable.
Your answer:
3:47:39
